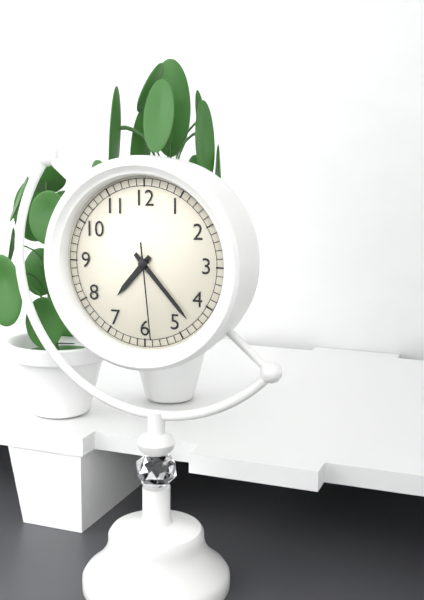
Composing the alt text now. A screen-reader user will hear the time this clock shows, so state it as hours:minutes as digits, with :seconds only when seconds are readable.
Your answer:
7:23:29
